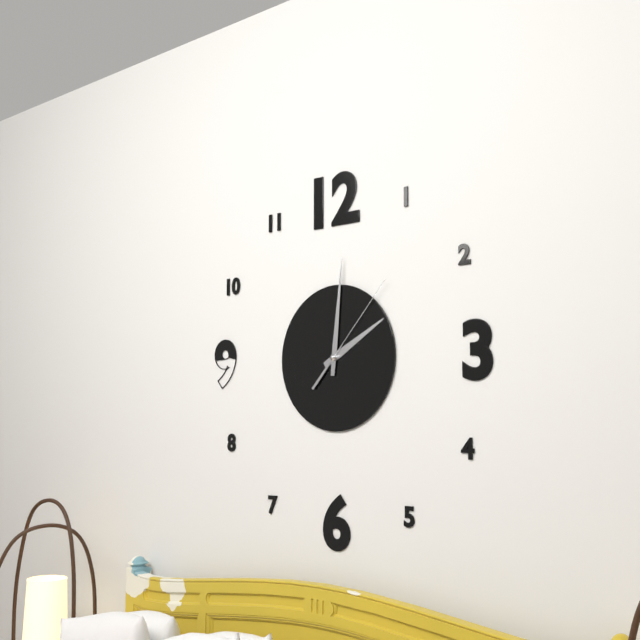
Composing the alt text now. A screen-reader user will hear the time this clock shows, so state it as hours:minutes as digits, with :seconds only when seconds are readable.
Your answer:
2:01:07
